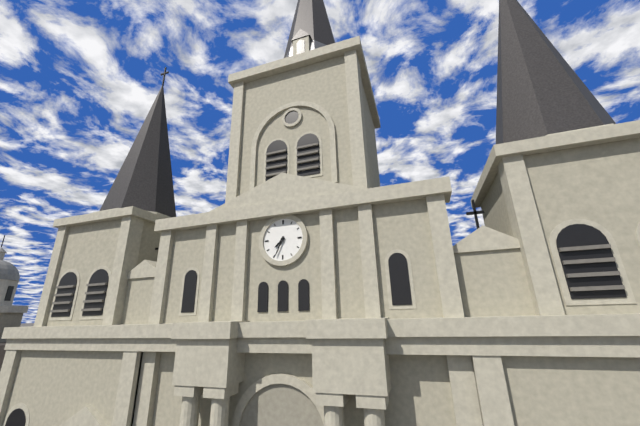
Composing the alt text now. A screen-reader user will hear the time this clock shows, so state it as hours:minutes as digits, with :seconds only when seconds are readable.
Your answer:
7:34
